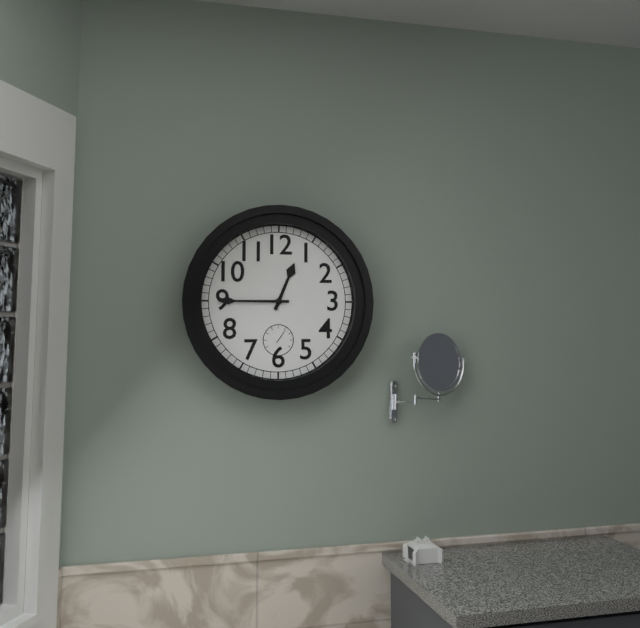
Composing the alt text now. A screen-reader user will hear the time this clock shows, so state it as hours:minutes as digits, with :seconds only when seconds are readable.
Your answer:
12:45
